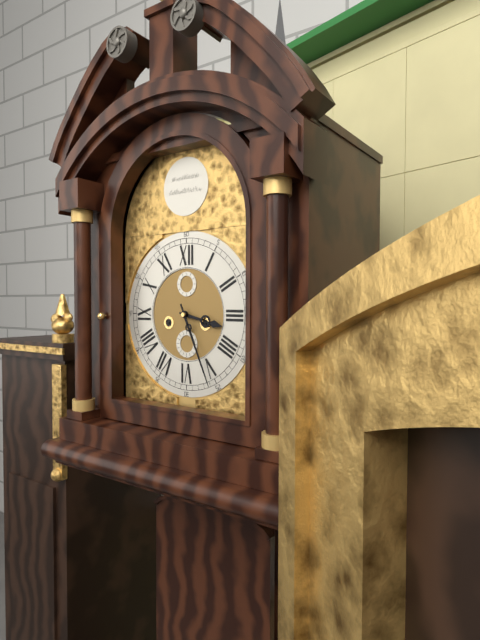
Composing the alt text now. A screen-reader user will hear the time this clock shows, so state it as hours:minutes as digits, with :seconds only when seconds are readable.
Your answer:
3:26
